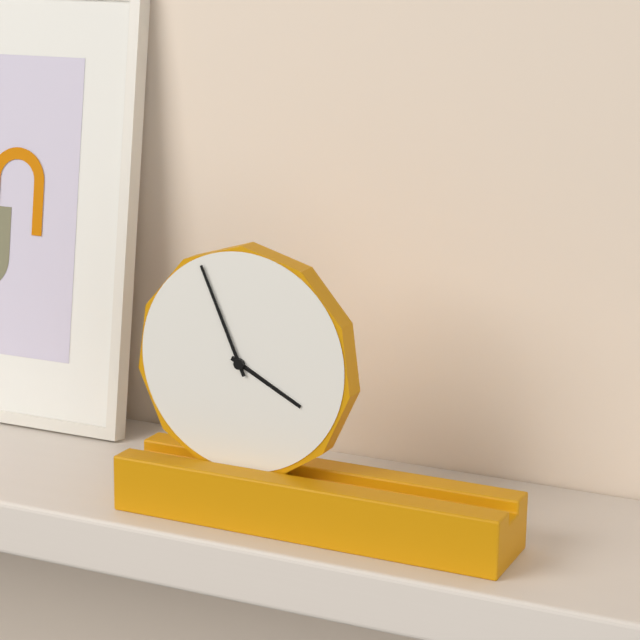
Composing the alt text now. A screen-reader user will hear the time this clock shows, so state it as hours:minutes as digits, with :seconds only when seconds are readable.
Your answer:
3:56
